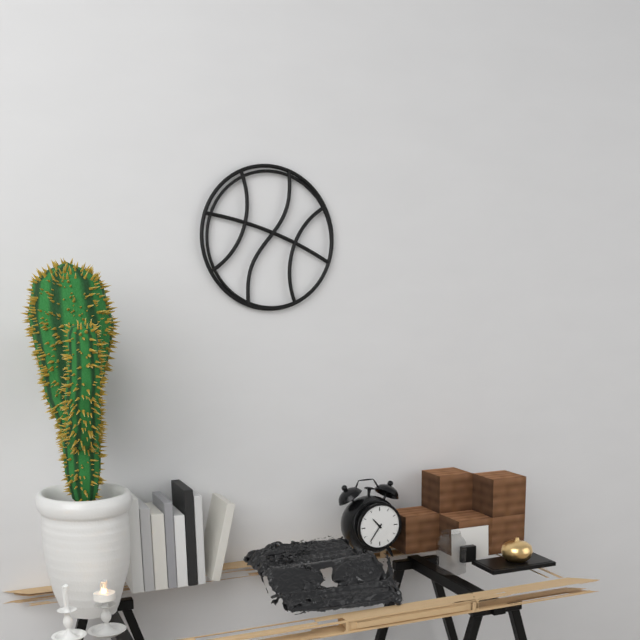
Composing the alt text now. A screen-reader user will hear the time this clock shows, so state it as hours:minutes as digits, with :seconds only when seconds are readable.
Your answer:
10:36
